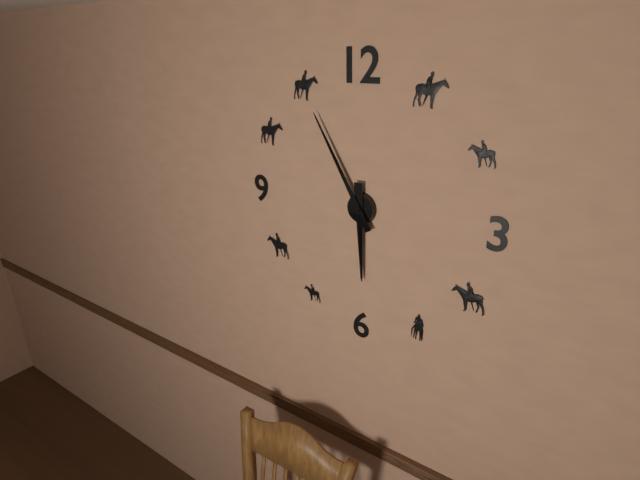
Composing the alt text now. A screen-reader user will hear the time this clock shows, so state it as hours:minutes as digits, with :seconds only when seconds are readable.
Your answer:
5:55
